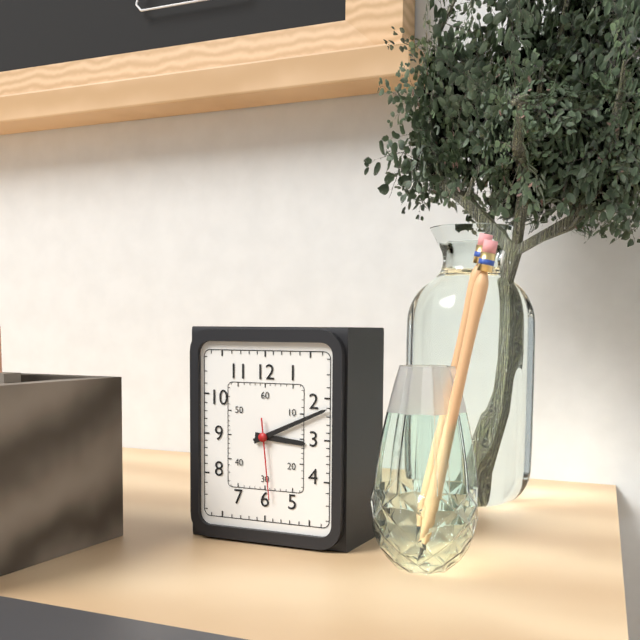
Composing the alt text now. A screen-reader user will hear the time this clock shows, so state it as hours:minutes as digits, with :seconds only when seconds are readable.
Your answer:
3:11:29
